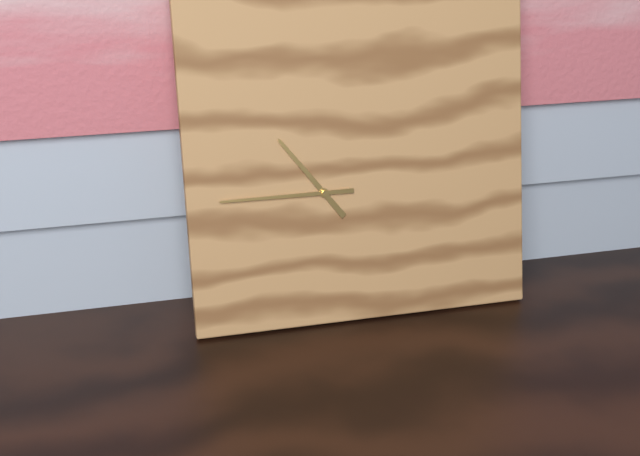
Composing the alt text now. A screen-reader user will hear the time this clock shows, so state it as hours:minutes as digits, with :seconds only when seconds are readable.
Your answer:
10:45
